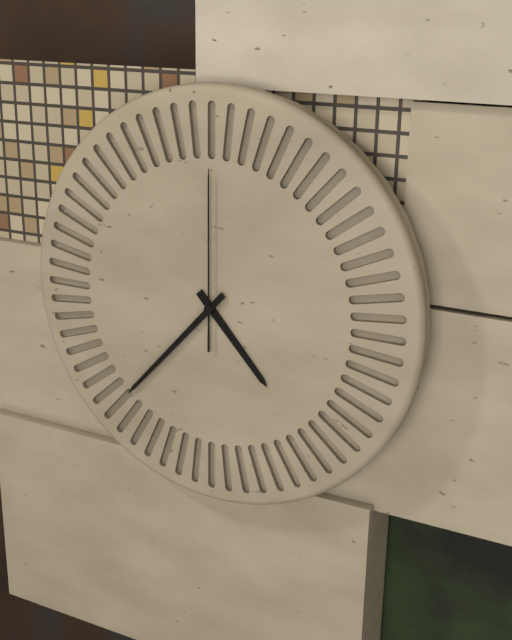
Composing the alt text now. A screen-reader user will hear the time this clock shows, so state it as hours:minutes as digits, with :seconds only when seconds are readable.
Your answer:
4:37:00
